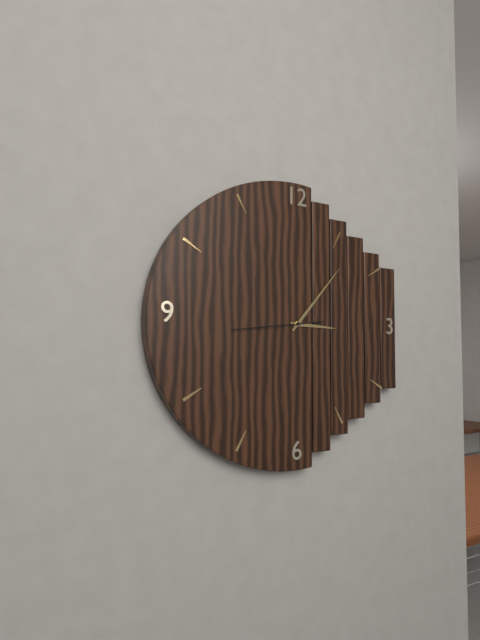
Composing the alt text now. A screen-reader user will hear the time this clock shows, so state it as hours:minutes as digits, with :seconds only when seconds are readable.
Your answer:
3:07:44
